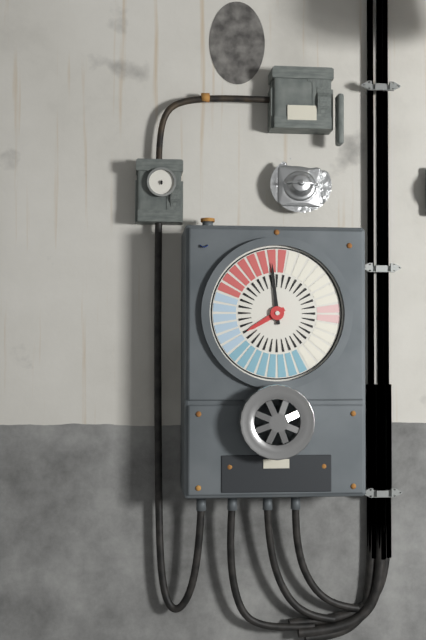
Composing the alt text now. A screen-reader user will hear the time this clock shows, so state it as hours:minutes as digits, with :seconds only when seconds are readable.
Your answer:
7:59
